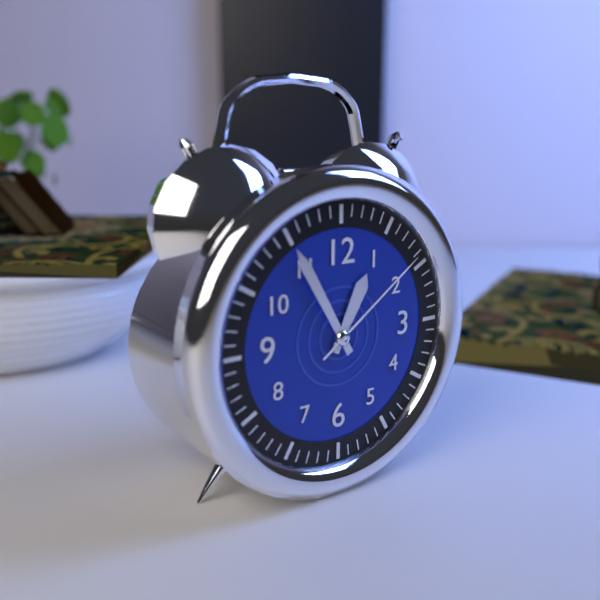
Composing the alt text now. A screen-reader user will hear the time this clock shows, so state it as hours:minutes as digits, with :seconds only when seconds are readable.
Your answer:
12:55:09
